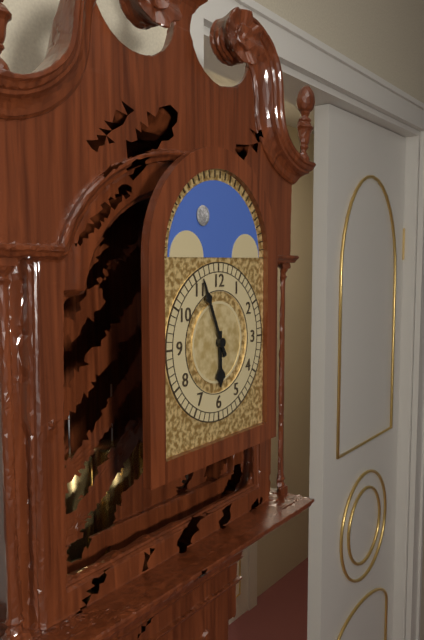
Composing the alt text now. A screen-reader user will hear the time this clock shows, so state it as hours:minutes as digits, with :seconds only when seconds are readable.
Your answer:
5:56
